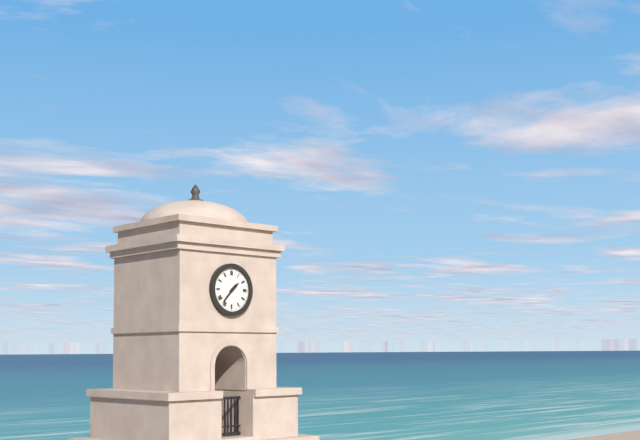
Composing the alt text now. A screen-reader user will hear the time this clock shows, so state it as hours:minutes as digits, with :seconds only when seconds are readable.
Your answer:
1:37
